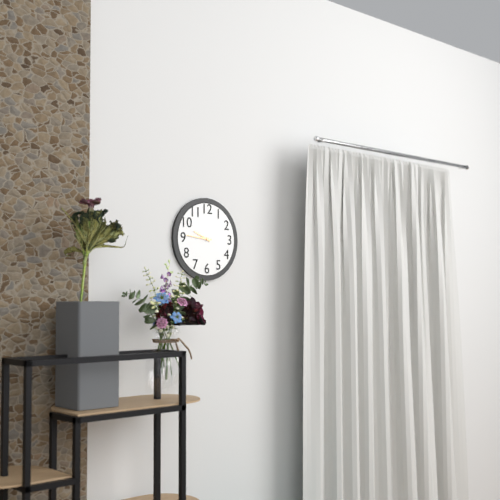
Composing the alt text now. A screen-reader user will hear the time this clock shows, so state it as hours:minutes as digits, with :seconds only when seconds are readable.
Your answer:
9:46
